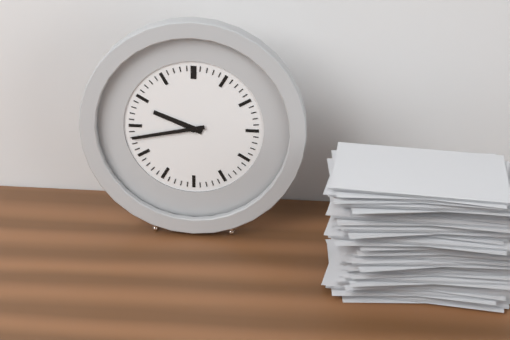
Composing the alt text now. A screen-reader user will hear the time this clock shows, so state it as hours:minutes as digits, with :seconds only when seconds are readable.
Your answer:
9:43
